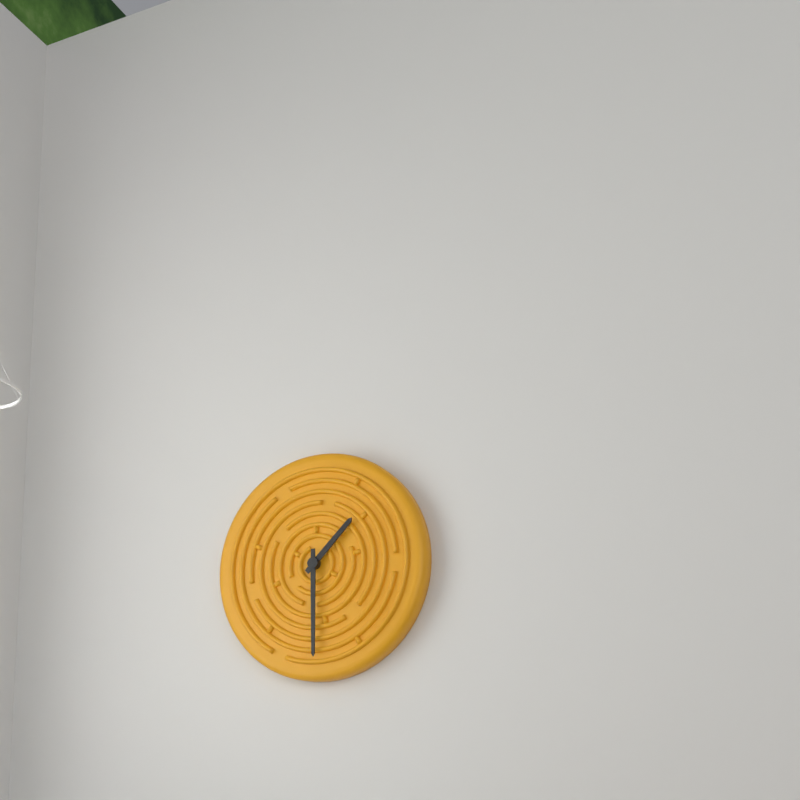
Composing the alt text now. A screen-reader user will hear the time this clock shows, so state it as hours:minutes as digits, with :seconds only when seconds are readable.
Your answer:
1:30
